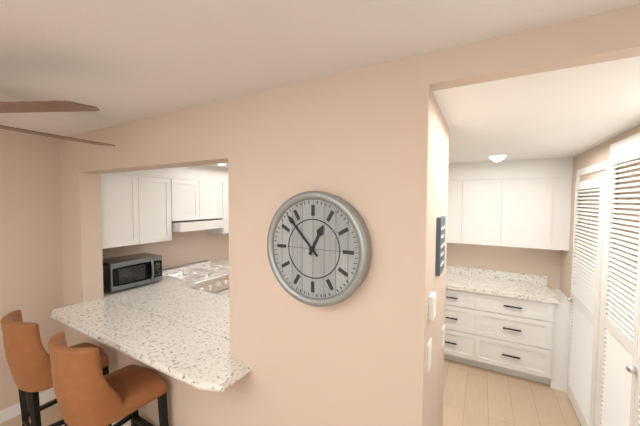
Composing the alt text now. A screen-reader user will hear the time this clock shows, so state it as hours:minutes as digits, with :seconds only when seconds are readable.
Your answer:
12:53
